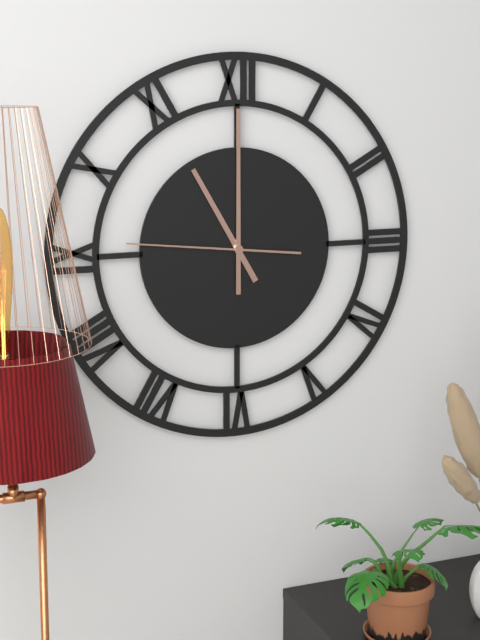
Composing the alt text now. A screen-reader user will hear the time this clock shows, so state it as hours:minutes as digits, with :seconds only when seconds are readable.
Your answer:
11:00:46
